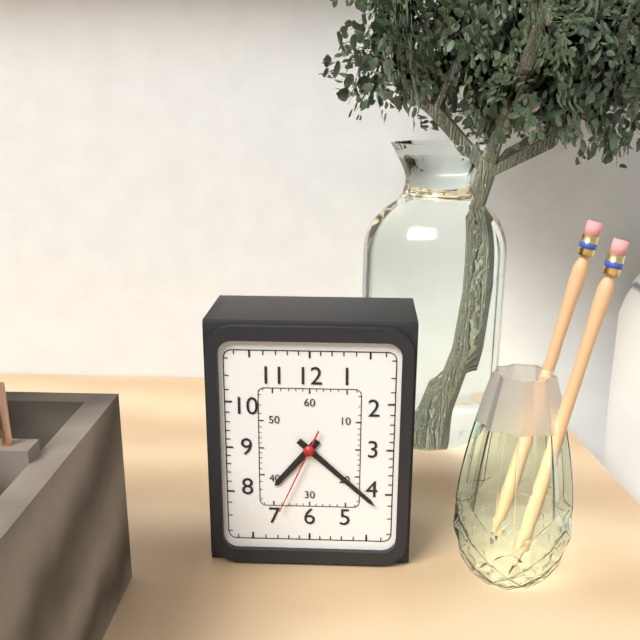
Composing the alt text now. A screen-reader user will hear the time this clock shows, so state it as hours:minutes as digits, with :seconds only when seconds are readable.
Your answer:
7:22:34
